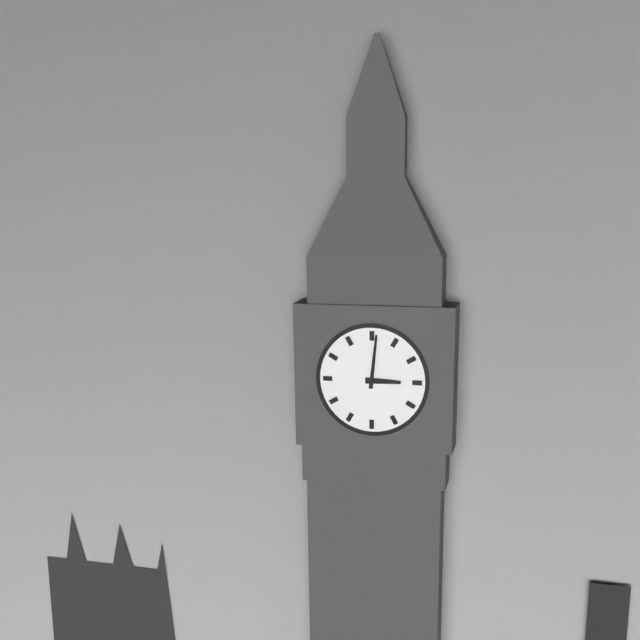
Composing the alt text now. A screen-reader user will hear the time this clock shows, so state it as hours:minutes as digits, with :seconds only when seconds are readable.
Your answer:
3:01
